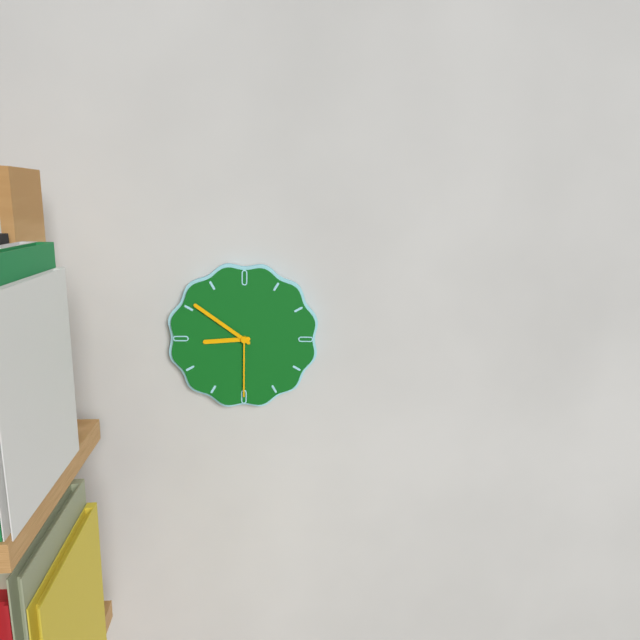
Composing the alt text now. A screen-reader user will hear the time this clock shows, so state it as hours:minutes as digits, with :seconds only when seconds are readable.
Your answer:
8:51:30
